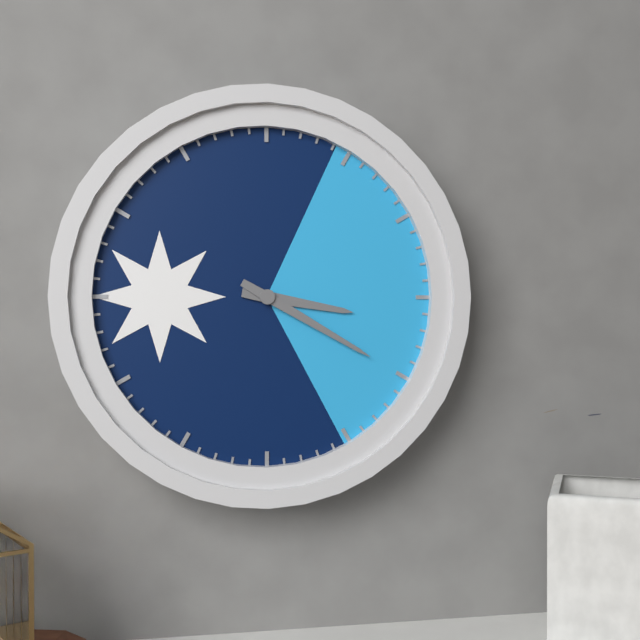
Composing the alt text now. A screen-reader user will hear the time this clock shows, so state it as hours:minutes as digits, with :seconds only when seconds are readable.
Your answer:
3:20
